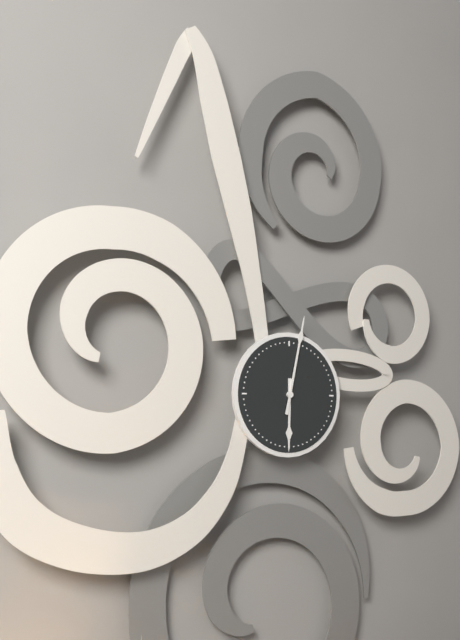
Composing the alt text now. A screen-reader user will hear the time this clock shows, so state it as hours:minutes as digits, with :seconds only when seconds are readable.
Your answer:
6:02
